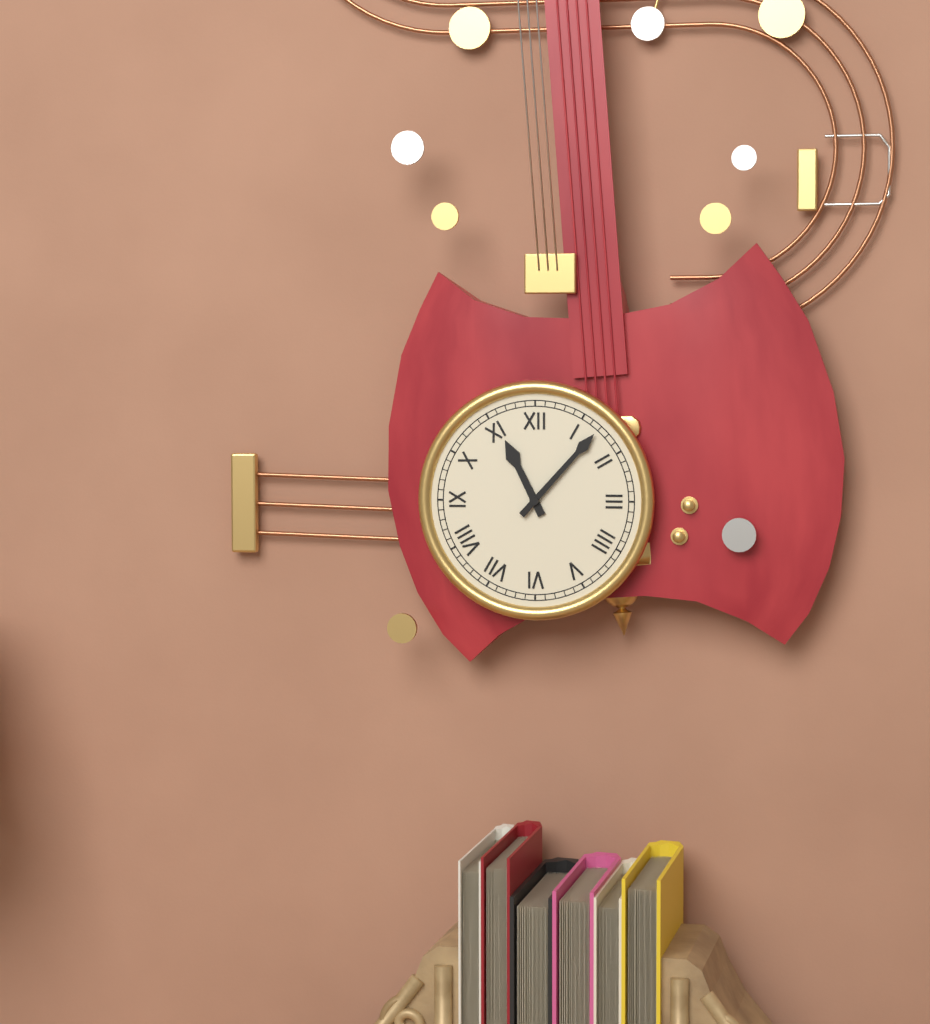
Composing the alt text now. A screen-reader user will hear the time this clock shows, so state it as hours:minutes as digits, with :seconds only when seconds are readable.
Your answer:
11:07
